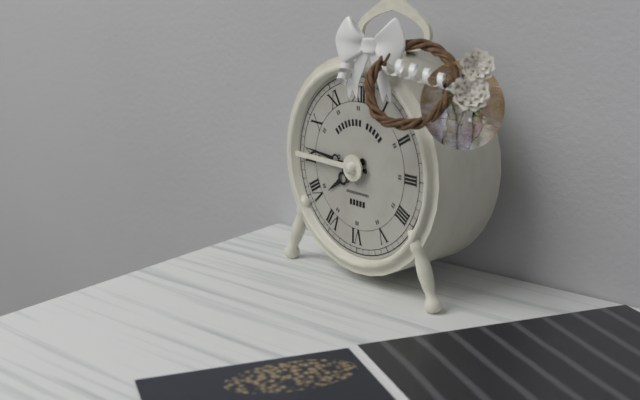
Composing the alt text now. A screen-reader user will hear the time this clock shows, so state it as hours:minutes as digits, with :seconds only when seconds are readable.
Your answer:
7:46
